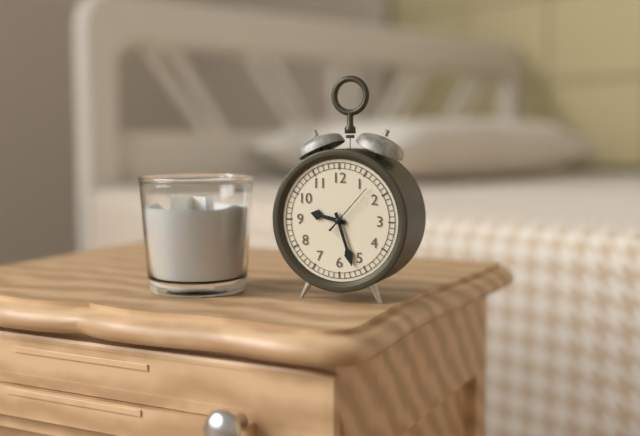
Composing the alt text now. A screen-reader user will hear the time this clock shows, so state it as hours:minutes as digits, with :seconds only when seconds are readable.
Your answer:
9:27:07
